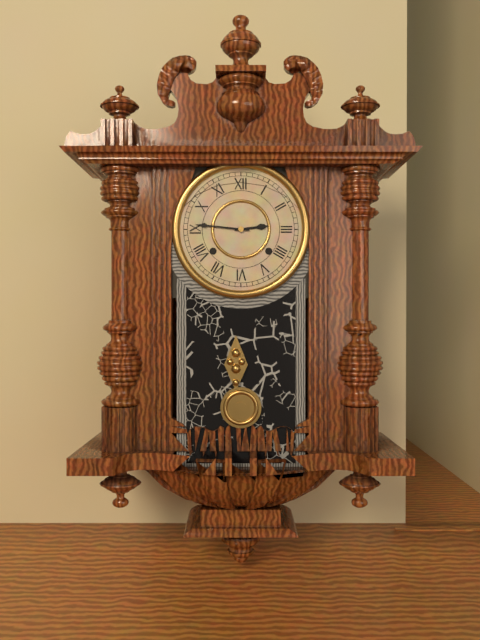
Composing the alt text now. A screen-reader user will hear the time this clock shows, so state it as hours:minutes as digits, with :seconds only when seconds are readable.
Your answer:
2:46
